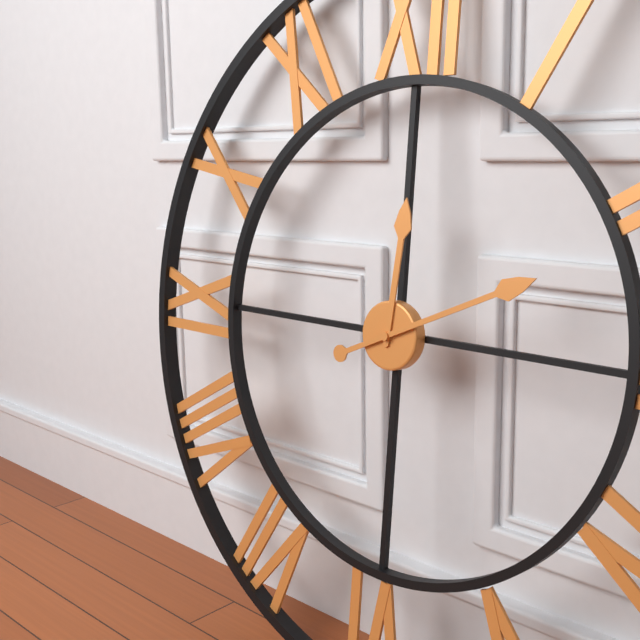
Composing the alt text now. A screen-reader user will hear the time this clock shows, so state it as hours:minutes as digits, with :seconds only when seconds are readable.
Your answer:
12:11
